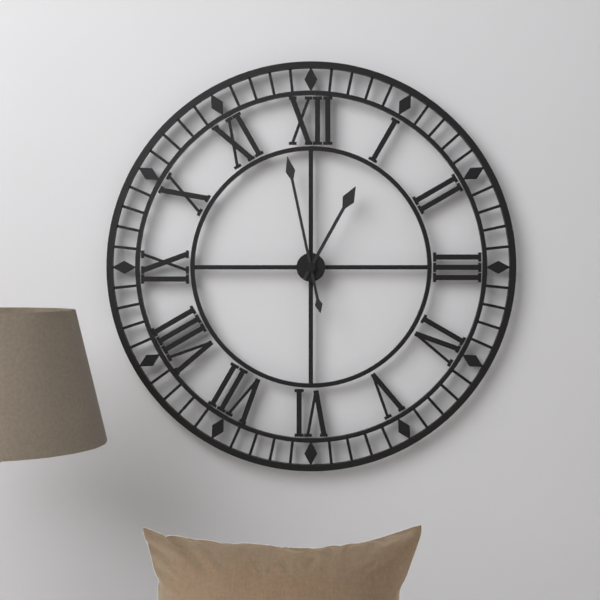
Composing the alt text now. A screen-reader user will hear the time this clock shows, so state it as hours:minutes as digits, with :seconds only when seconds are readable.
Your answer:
12:58
